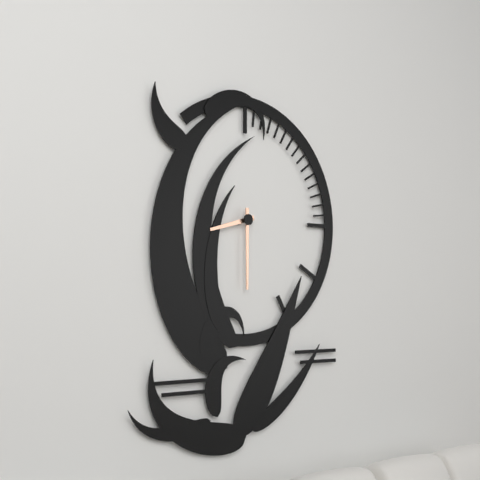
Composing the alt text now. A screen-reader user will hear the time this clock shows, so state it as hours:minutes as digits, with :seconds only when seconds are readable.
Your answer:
8:30
